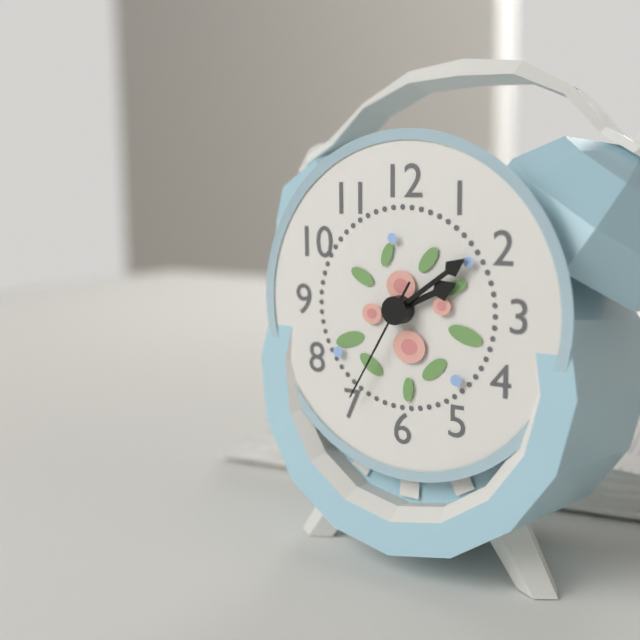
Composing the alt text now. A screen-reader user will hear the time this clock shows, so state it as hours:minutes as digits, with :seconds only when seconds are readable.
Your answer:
2:09:35
